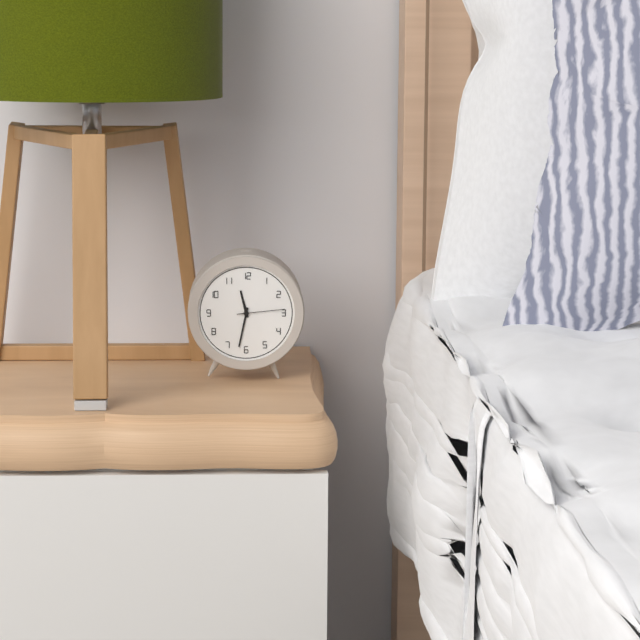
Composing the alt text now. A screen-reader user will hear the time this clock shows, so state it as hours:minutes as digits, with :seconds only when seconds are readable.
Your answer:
11:32
